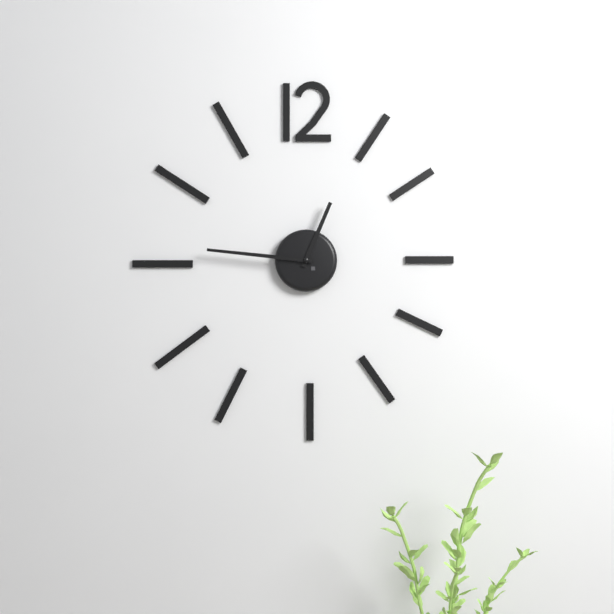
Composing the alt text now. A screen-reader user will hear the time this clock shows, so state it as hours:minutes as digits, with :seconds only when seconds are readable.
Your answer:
12:46
